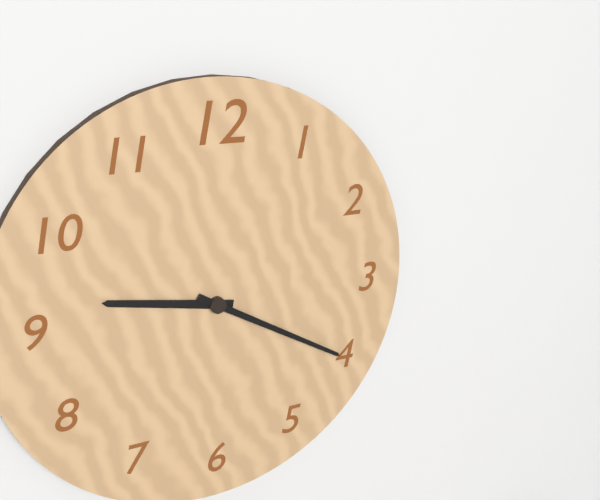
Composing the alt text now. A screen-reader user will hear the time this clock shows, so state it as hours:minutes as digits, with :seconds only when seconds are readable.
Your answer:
9:20
